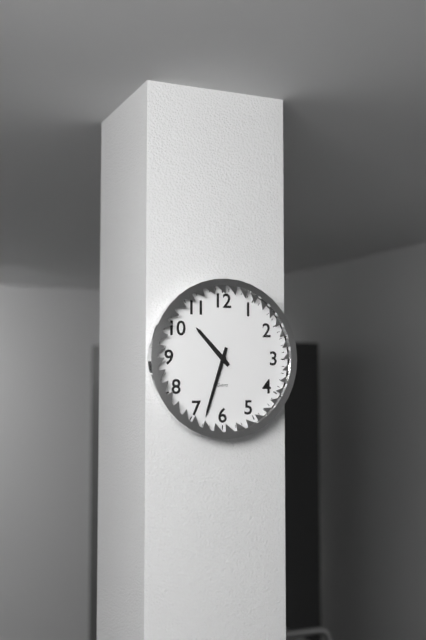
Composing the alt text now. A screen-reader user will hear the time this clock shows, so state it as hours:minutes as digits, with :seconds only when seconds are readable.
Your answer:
10:33
